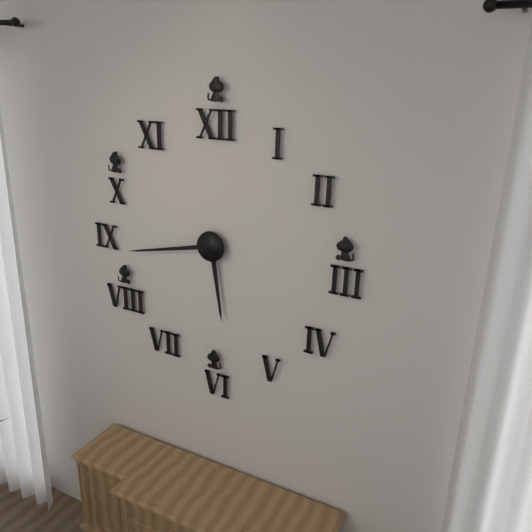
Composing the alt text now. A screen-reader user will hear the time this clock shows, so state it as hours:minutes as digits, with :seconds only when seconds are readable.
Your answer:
5:43
